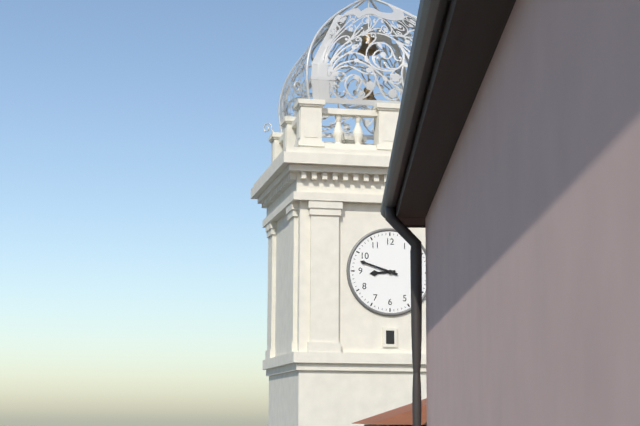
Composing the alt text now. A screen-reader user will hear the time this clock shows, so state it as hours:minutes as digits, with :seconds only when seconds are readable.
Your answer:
8:48
